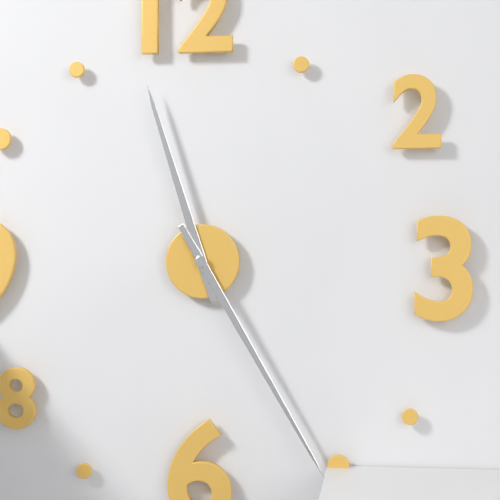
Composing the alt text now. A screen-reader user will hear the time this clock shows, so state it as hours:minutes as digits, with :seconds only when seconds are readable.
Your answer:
11:25
